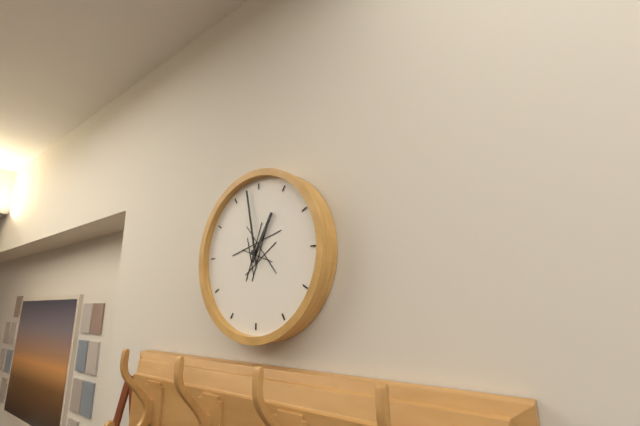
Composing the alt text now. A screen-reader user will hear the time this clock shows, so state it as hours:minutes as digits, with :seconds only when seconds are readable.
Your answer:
12:58
